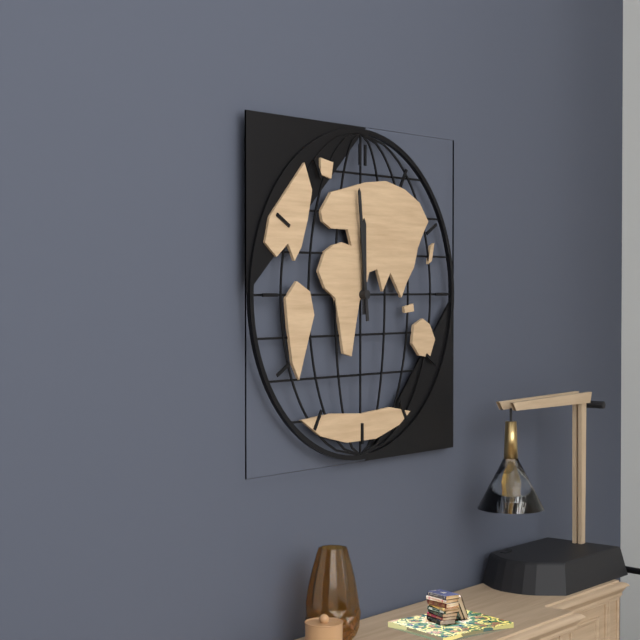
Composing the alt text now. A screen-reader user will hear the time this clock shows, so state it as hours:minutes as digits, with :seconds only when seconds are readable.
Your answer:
11:59
